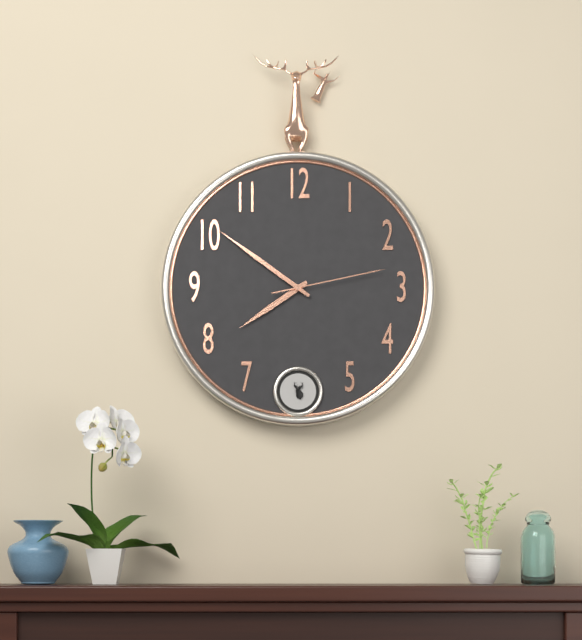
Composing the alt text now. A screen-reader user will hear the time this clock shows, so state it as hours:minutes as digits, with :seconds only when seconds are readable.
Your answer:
7:51:13
